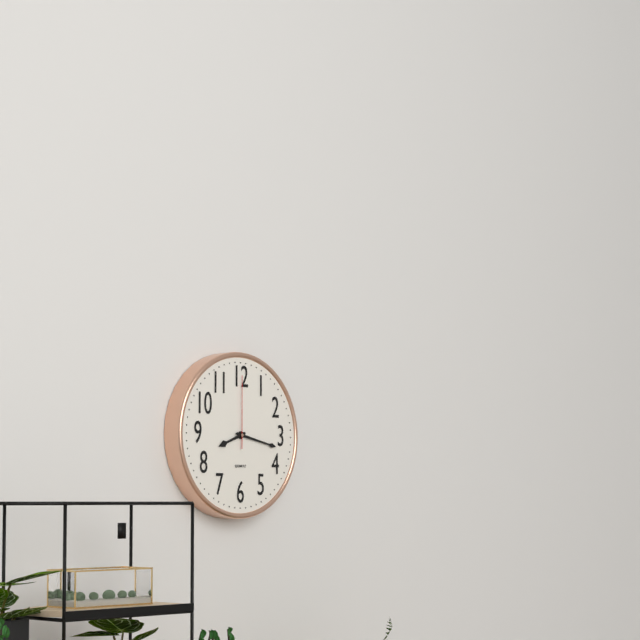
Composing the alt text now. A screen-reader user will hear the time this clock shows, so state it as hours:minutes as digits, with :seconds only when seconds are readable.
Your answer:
8:17:00
